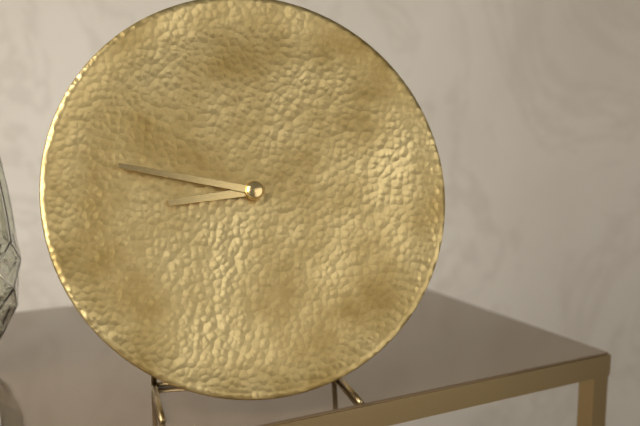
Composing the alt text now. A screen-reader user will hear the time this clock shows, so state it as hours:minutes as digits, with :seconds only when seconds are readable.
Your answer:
8:47
